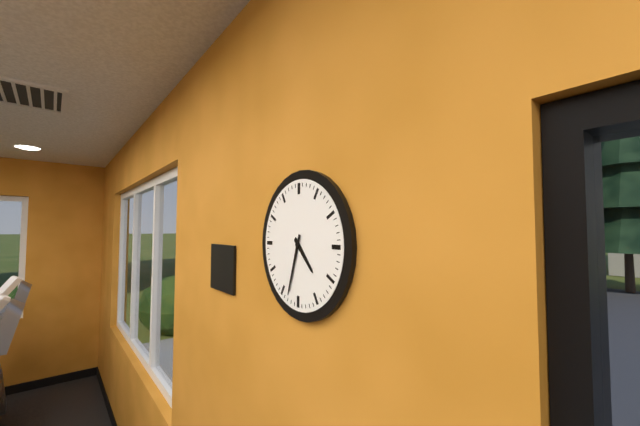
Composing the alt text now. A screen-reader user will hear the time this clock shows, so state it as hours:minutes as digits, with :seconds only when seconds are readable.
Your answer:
4:33
